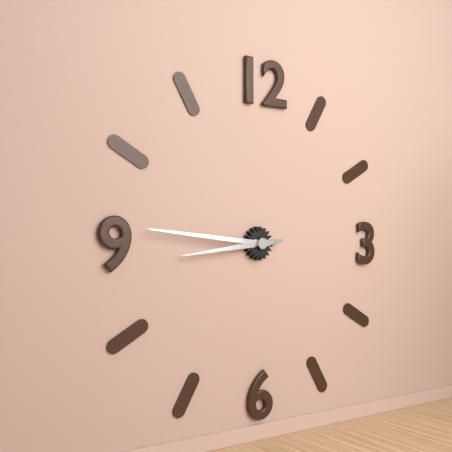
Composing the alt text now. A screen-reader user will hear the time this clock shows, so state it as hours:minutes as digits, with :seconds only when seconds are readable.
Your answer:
8:46
